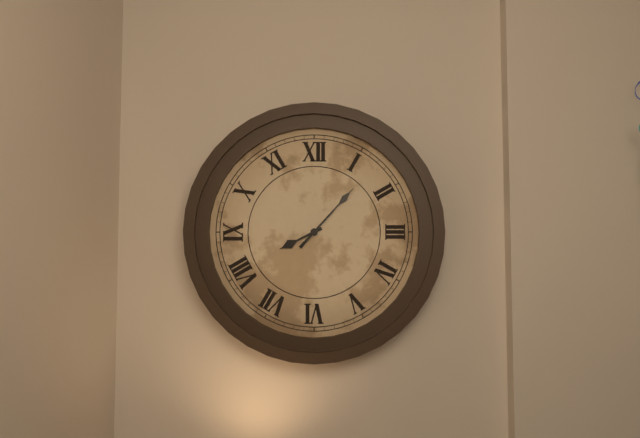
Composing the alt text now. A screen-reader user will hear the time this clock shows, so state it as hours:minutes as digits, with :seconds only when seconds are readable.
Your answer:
8:07
